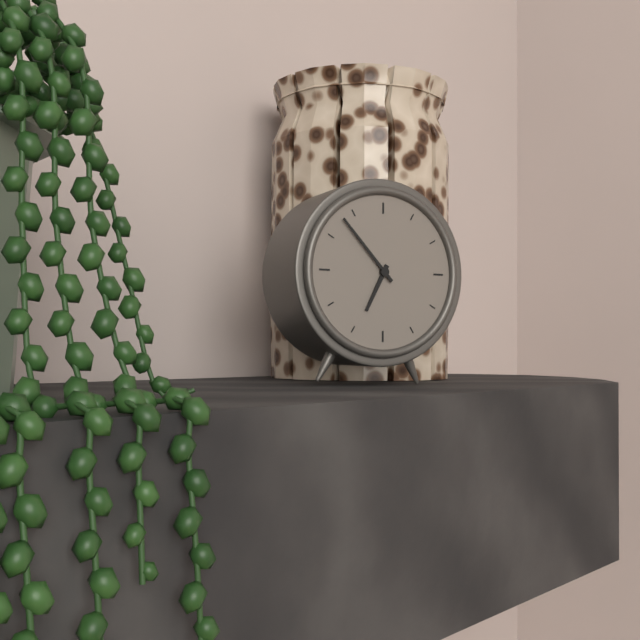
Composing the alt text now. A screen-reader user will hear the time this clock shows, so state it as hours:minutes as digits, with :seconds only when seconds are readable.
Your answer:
6:53
